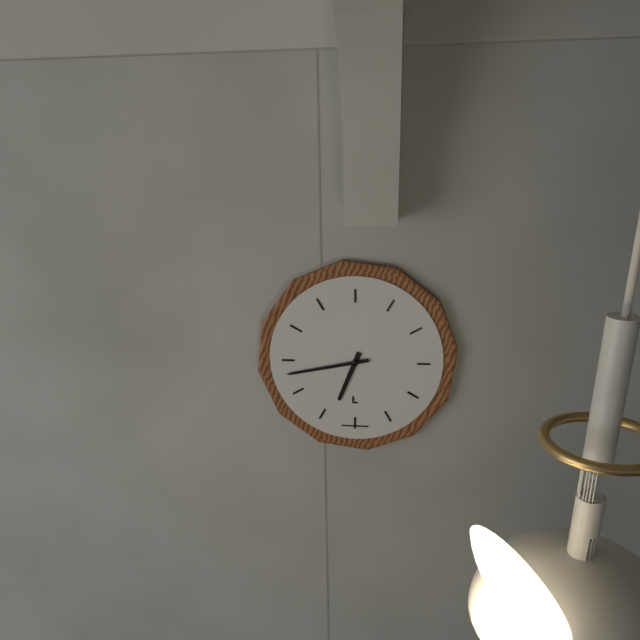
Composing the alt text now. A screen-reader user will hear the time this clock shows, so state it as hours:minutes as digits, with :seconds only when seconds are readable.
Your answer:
6:43
